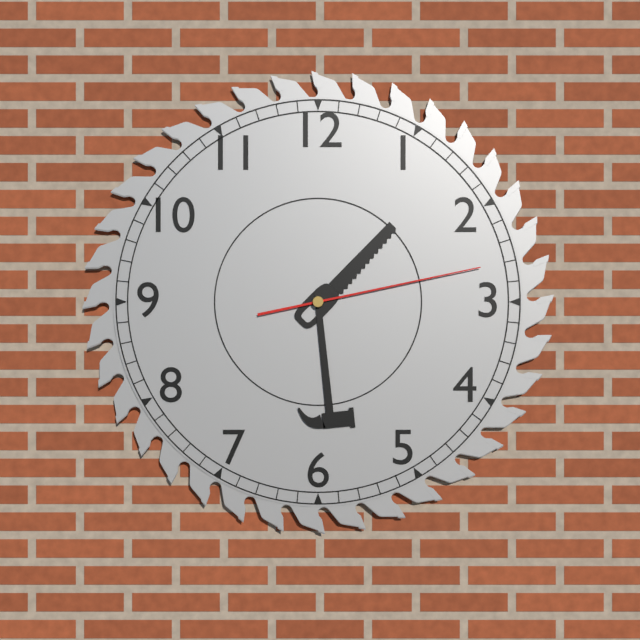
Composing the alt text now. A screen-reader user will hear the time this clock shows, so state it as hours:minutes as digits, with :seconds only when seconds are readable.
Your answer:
1:29:13
